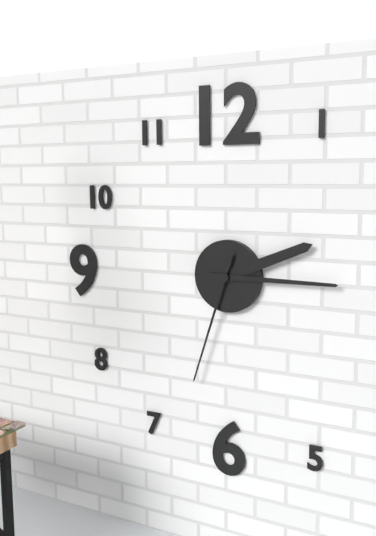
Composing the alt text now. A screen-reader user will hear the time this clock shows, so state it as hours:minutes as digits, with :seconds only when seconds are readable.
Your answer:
2:15:33
